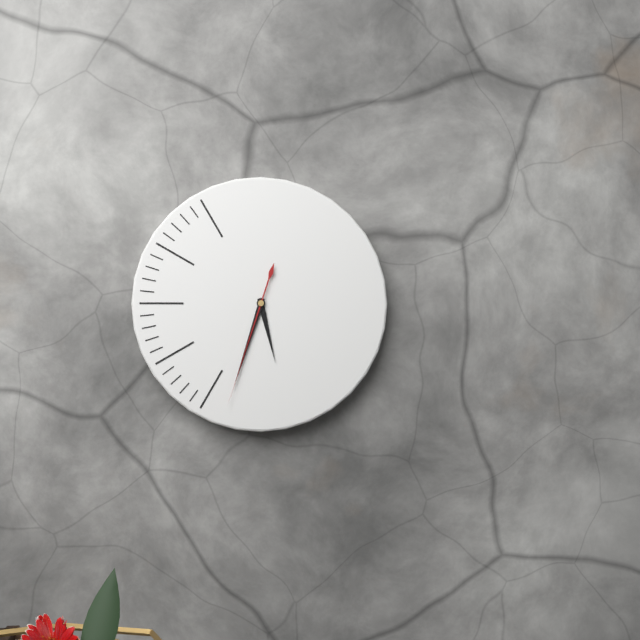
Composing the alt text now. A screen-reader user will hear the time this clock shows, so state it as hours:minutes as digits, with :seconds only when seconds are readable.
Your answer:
5:33:33
